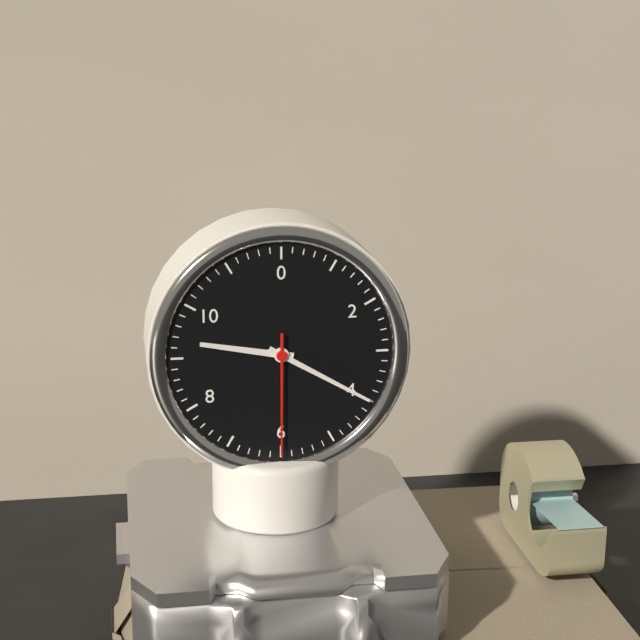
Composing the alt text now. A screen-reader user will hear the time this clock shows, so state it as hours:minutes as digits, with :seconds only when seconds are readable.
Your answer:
9:20:30
